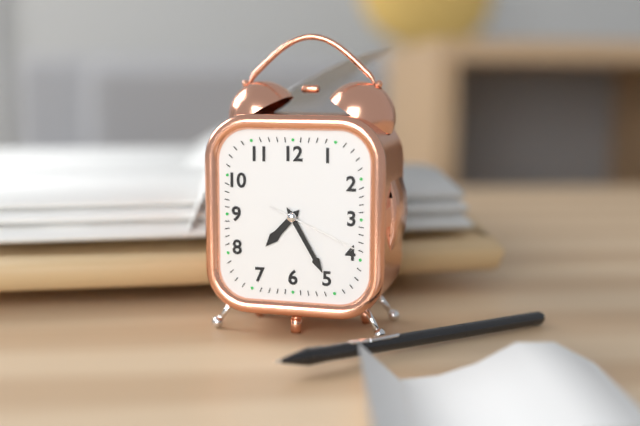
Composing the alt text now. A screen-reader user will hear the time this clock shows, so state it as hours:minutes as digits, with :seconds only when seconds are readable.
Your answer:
7:25:19
